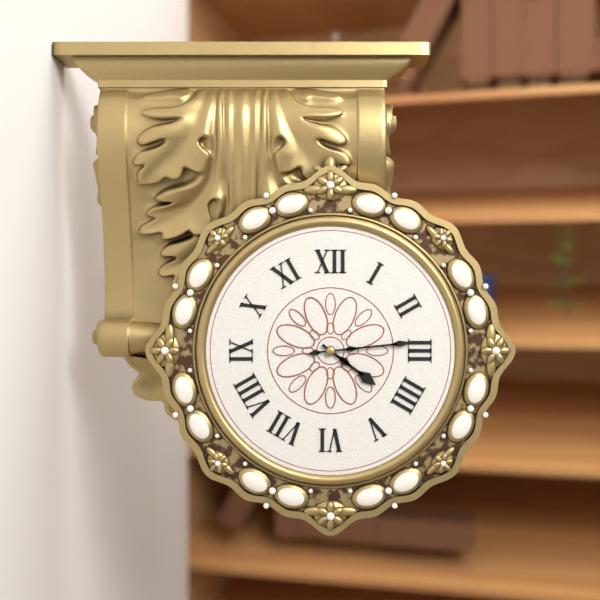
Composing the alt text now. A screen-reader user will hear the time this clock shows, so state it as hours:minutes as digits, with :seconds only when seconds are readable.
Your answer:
4:14
